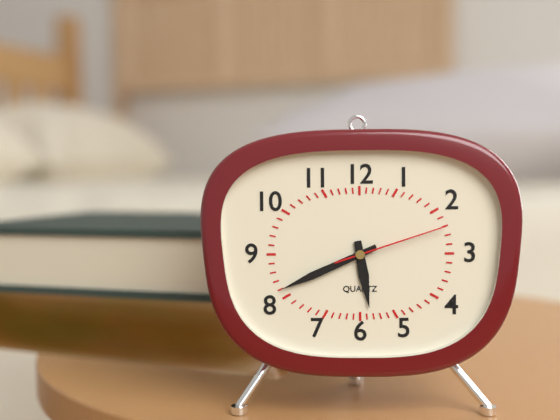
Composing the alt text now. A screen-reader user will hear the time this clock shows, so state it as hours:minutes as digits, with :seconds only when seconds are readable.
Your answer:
5:41:12
